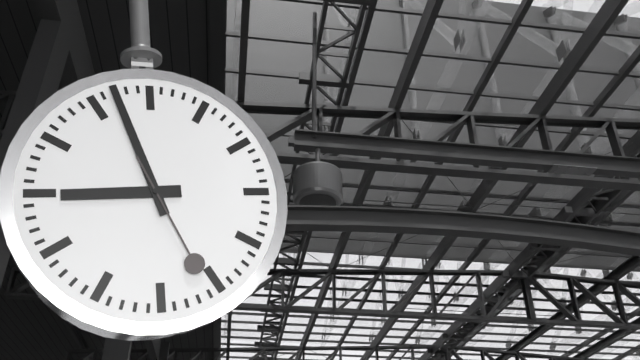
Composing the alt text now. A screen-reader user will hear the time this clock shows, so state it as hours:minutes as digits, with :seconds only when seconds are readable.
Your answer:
8:57:26
